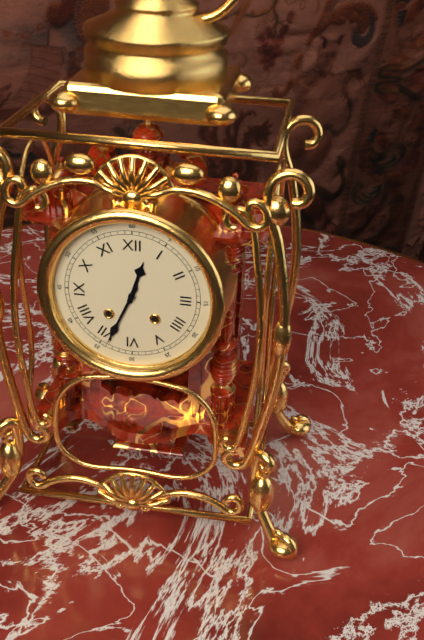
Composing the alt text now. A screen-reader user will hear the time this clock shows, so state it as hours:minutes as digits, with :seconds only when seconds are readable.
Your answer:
12:34
